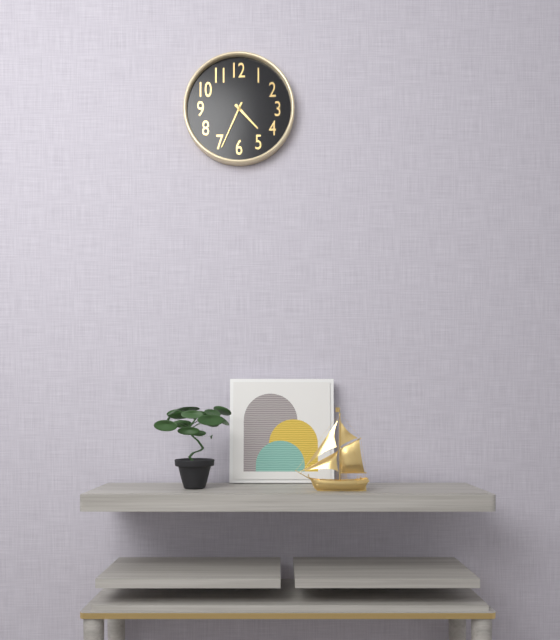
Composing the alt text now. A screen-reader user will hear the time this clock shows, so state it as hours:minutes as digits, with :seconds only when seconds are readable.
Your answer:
4:34
